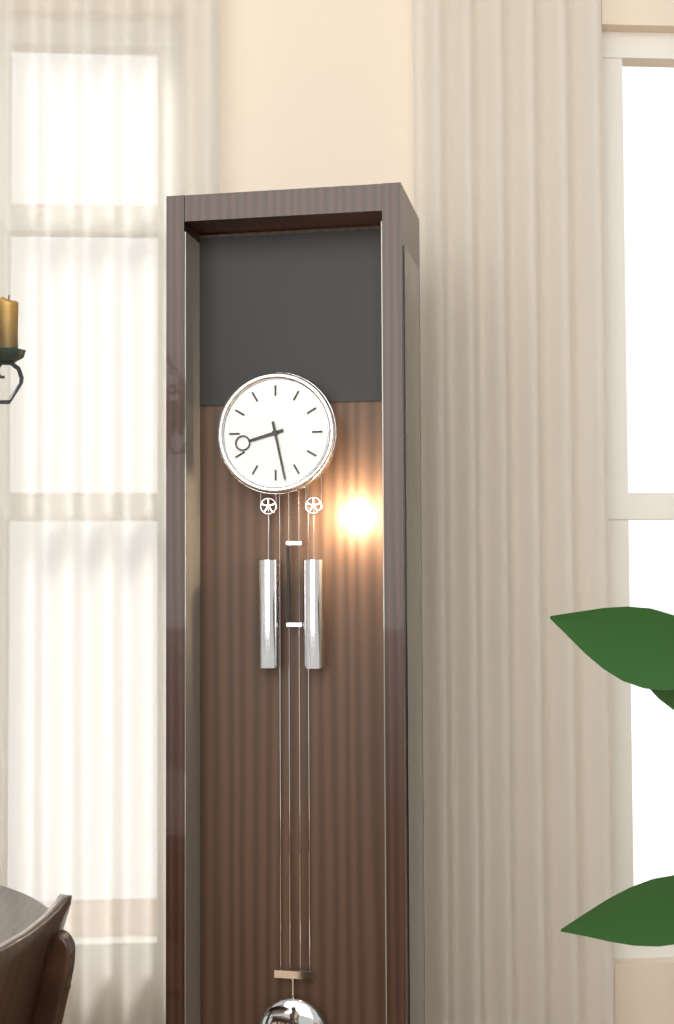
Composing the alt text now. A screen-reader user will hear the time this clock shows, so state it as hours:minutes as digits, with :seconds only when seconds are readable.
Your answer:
8:28
